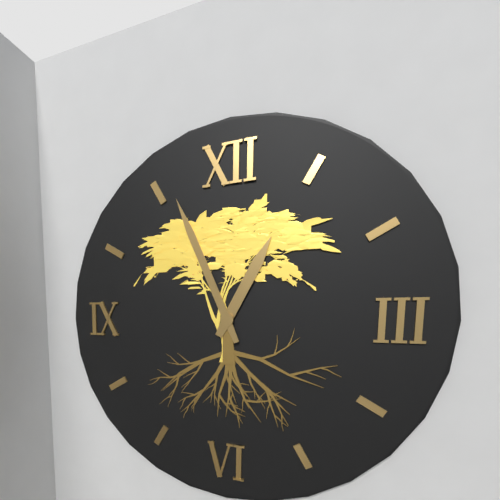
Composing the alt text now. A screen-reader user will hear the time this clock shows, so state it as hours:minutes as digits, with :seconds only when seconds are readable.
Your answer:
12:56
